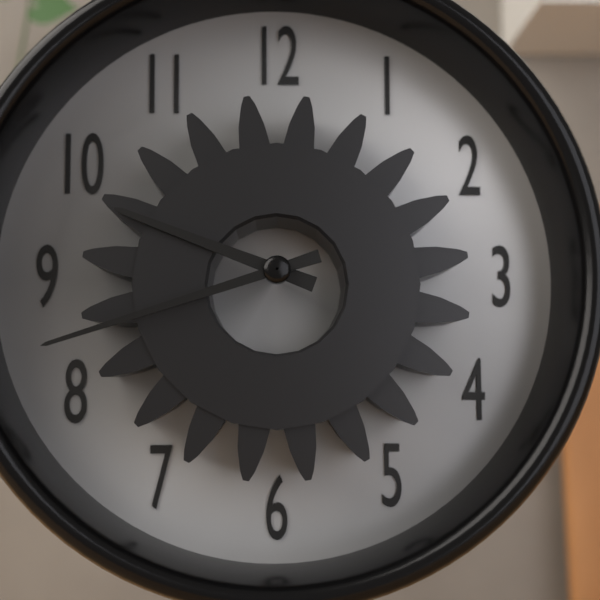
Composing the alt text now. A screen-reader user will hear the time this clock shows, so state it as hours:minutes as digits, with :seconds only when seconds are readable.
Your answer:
9:42
